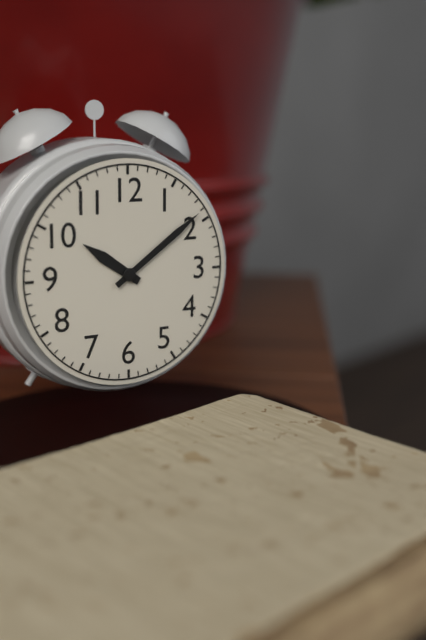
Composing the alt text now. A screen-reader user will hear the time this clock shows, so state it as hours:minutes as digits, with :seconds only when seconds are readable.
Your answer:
10:09
